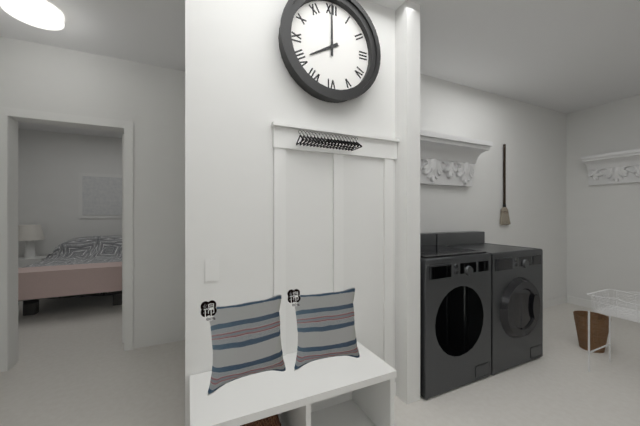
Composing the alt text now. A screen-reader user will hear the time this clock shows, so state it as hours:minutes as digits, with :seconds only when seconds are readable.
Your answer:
8:00
